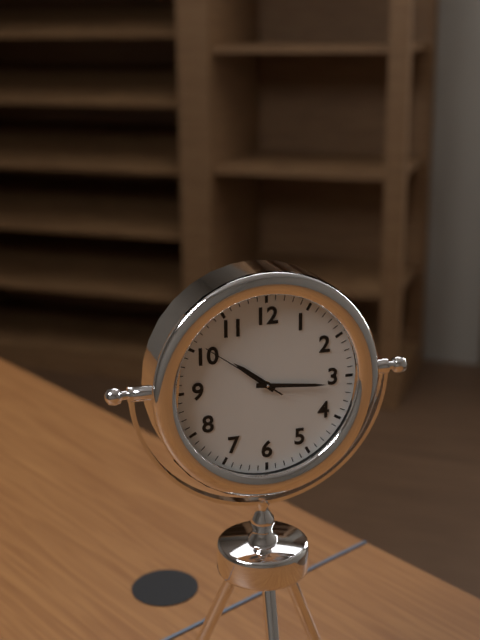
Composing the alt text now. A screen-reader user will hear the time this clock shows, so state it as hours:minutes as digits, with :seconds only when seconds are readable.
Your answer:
10:16:51
